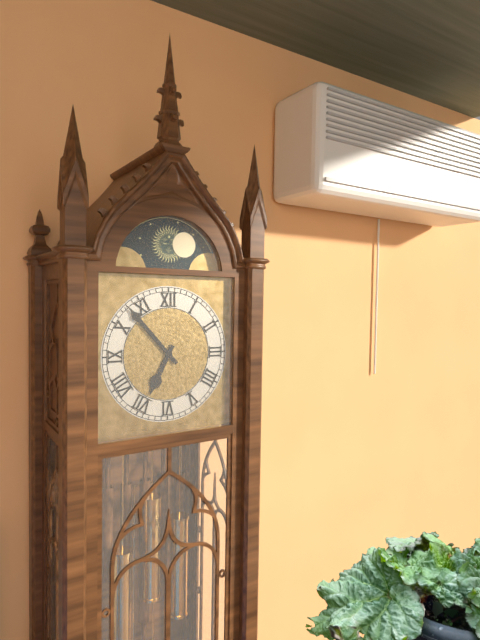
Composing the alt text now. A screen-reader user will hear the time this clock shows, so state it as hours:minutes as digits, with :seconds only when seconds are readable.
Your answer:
6:53
